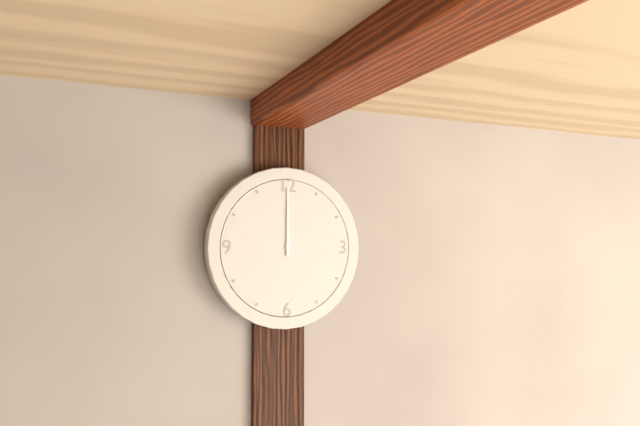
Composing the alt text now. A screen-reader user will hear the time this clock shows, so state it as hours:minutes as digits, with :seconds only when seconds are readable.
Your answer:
12:00
